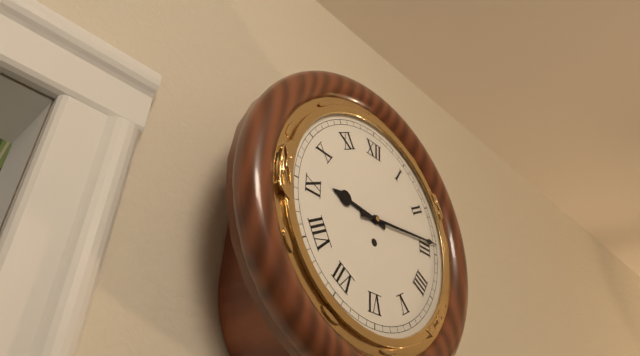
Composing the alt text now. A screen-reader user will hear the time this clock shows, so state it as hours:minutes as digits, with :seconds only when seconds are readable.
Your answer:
9:14
